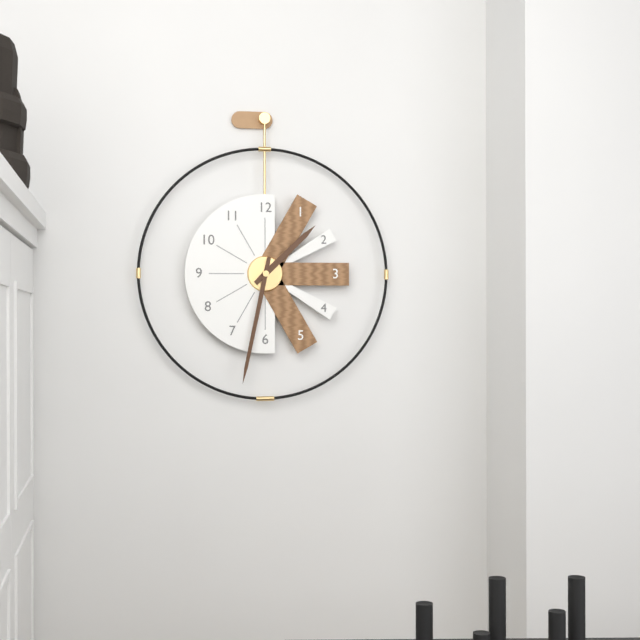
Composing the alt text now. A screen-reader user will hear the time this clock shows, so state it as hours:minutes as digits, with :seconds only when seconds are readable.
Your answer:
1:32
